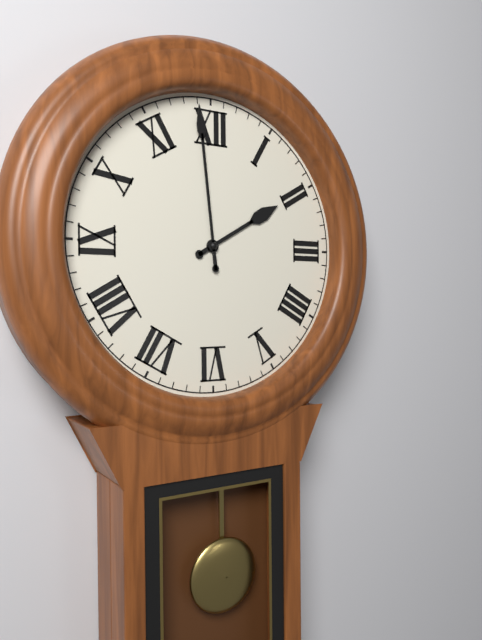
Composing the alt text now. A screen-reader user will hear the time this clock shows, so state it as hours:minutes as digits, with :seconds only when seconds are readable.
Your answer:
1:59
